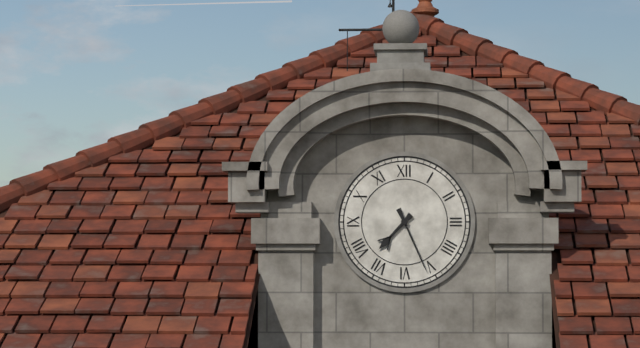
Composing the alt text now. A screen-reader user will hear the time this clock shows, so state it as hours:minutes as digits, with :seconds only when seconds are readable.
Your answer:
7:26
